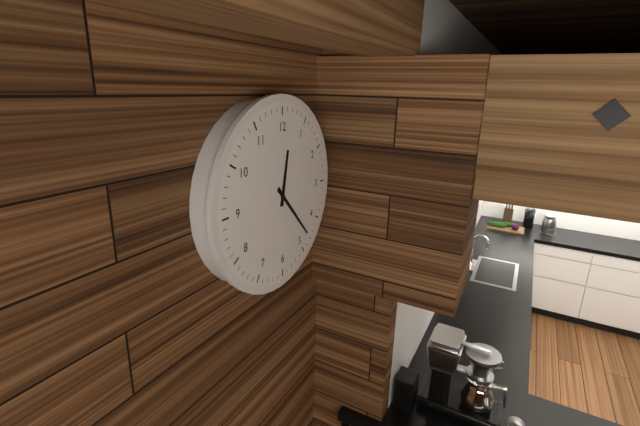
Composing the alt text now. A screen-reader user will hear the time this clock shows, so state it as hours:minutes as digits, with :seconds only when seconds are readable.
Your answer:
12:23
